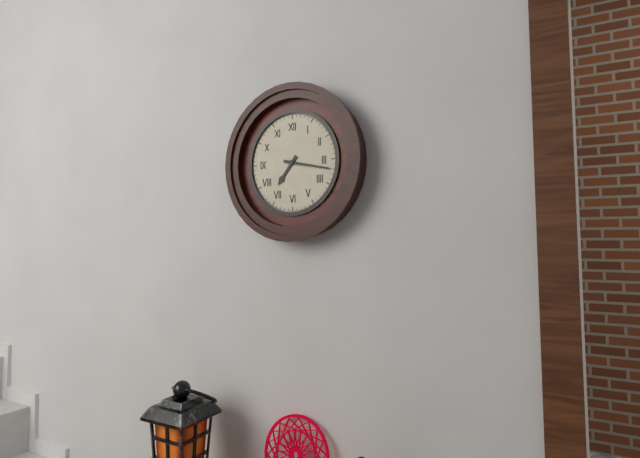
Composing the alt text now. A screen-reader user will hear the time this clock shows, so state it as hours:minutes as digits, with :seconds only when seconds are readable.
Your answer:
7:17
